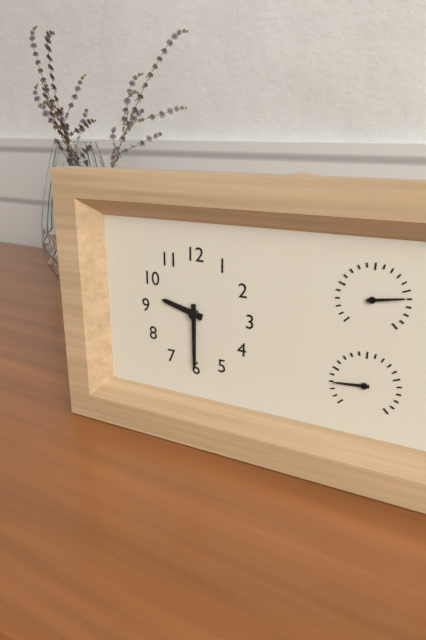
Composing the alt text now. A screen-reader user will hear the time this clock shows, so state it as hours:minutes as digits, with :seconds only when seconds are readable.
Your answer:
9:30
